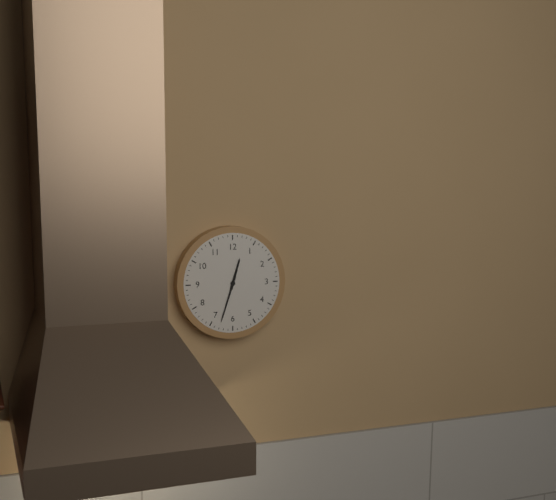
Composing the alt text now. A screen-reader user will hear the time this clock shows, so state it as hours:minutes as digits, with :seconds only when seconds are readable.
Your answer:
12:33
